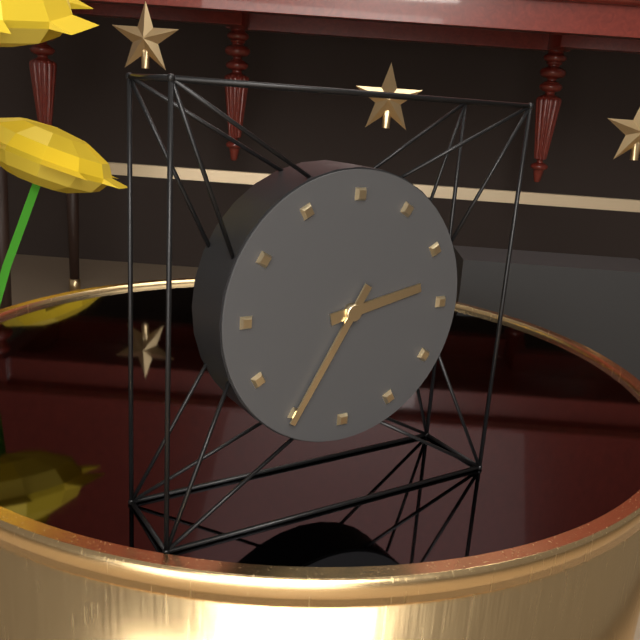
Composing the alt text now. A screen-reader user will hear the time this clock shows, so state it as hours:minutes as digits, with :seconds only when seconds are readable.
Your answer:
2:35
